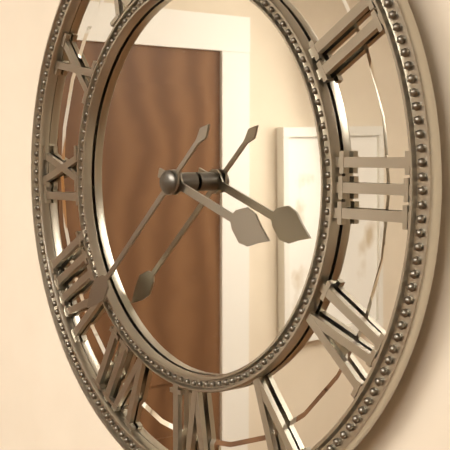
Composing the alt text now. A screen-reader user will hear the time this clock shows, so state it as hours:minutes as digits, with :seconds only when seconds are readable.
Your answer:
3:38
